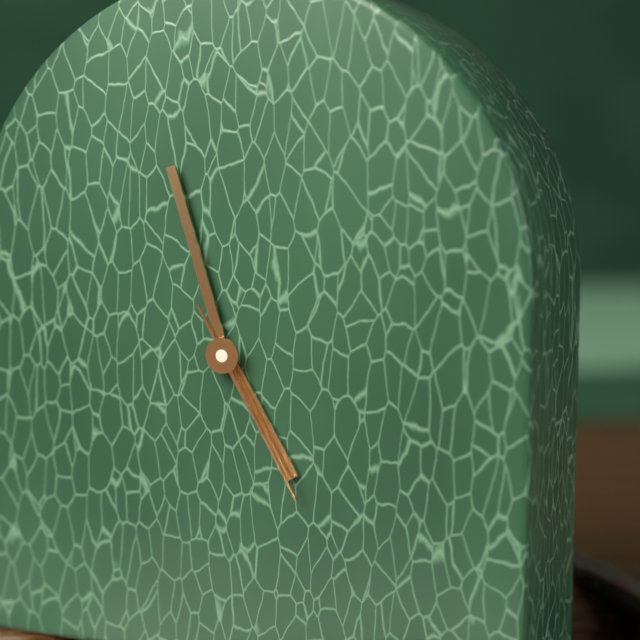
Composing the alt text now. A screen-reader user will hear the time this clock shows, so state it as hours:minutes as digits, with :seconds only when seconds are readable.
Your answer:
4:57:25
